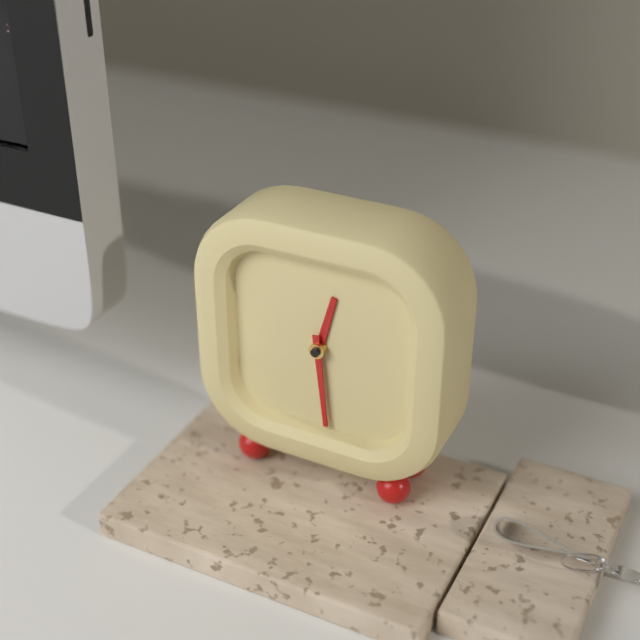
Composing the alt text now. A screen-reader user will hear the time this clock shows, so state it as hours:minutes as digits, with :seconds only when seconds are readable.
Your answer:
12:29
